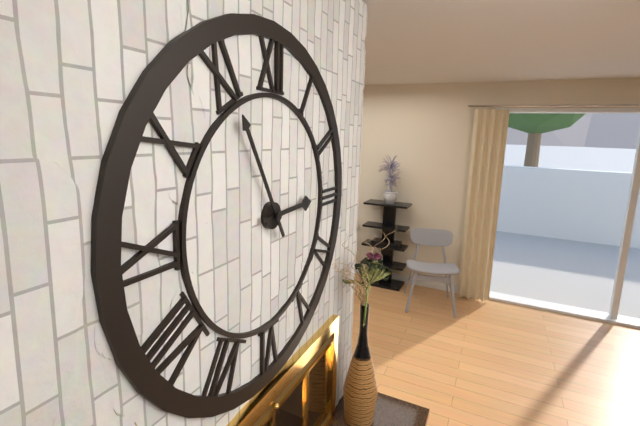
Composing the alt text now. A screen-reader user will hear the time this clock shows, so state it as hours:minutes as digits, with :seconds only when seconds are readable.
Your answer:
2:55
